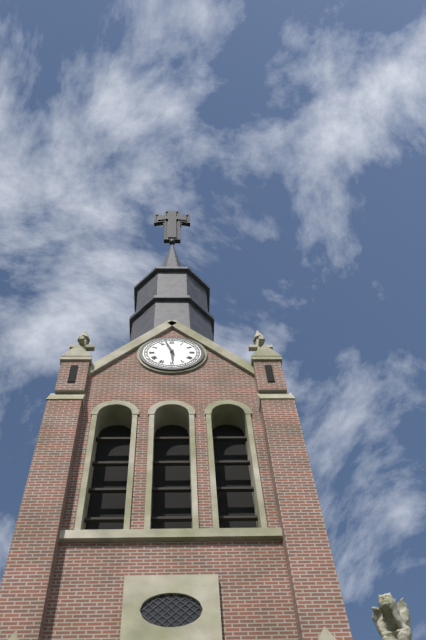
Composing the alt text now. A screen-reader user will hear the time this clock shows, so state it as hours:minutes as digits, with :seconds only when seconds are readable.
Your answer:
5:57
